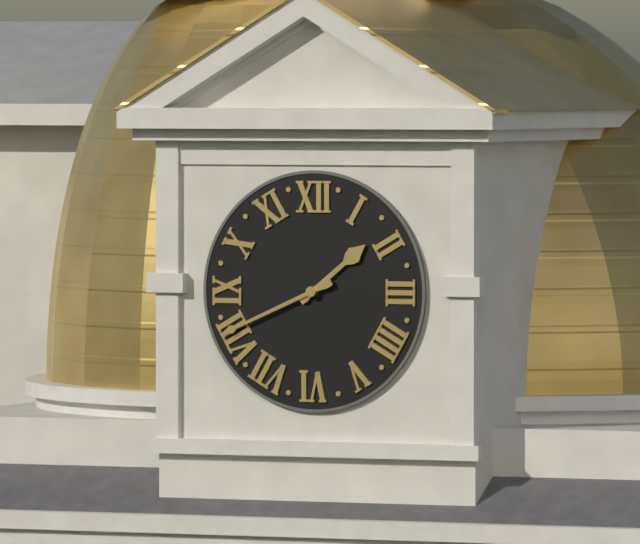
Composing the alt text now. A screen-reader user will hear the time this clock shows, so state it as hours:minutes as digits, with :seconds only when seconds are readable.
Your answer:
1:41
